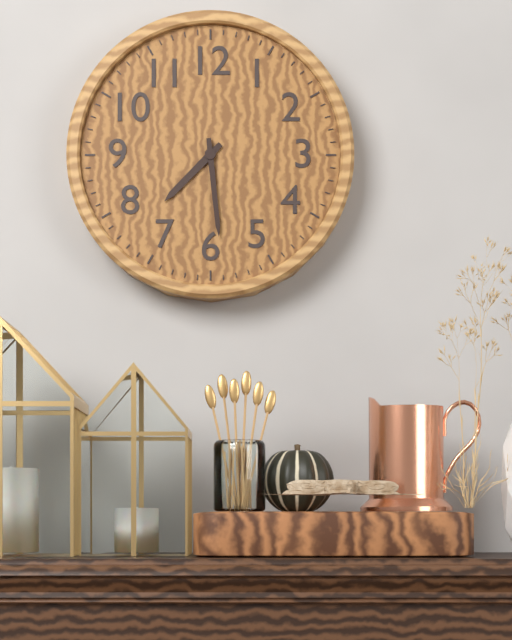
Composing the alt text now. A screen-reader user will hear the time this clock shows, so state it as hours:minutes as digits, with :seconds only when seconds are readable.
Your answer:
7:29
